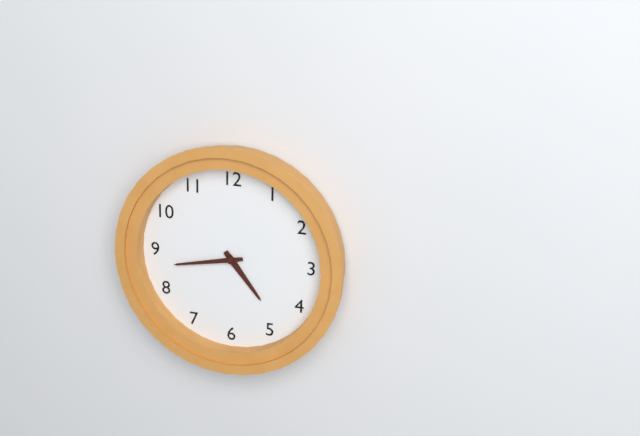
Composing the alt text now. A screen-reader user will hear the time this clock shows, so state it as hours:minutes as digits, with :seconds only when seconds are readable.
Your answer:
4:43
